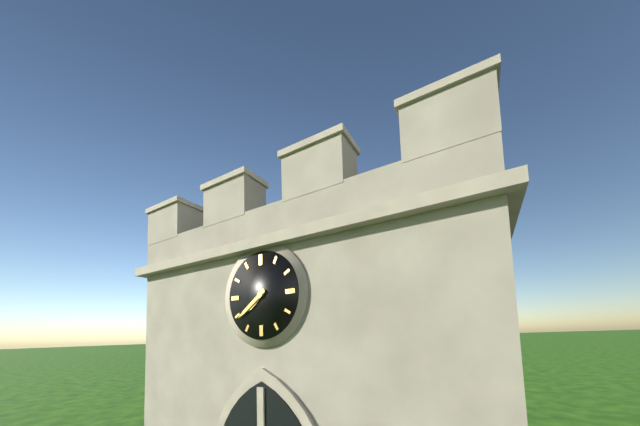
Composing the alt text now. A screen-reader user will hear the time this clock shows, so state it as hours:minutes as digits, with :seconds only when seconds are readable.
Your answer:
7:39
